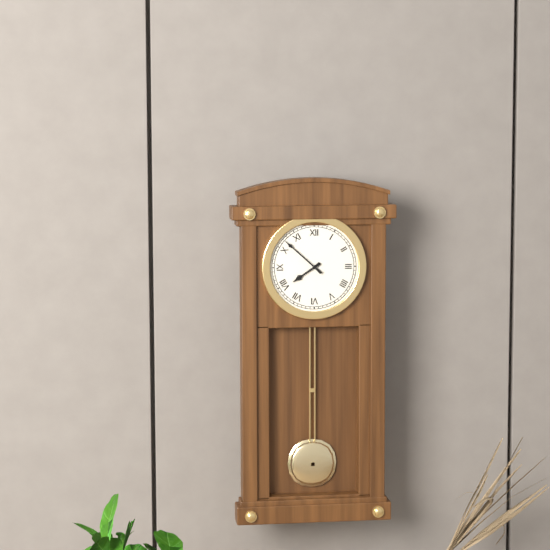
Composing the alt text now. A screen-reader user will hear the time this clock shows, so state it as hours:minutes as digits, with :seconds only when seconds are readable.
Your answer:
7:52
